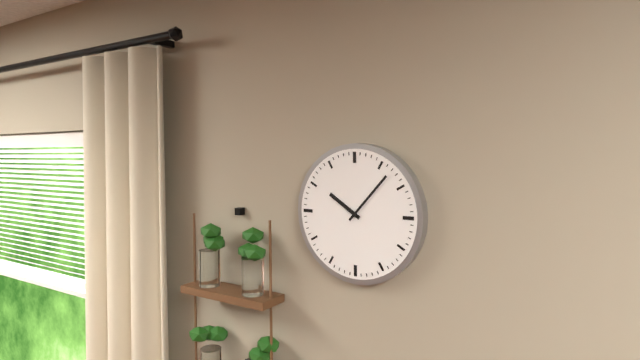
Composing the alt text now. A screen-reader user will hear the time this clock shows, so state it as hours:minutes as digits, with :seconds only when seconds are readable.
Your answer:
10:07
